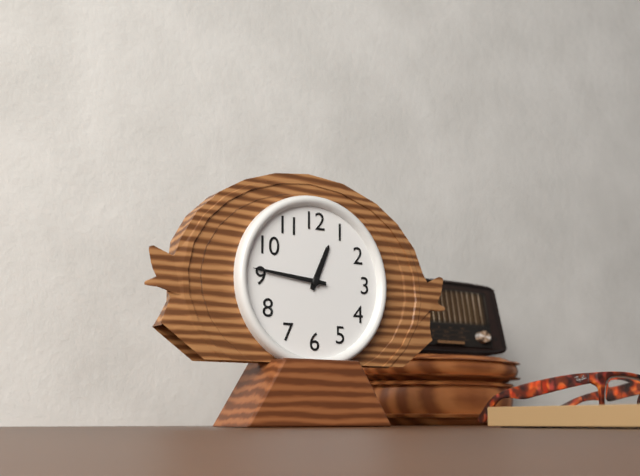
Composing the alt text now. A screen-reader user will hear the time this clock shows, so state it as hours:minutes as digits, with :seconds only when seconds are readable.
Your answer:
12:46
